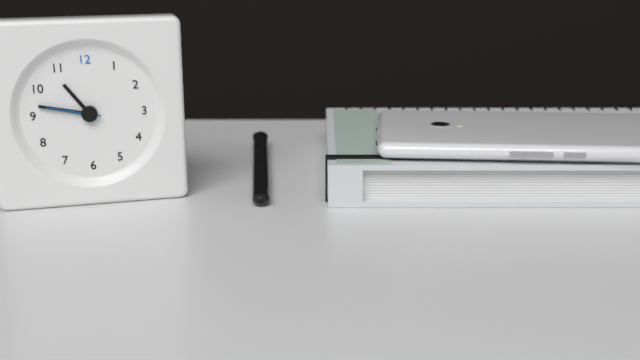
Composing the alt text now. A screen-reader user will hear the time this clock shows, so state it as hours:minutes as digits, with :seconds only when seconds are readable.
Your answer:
10:47:47
